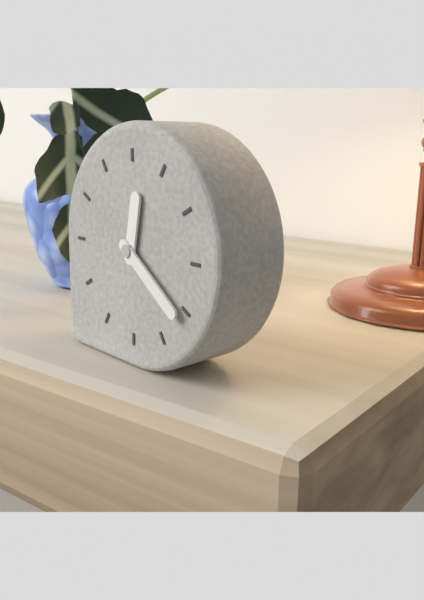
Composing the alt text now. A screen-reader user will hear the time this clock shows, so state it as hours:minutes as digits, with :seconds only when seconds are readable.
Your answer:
12:21
